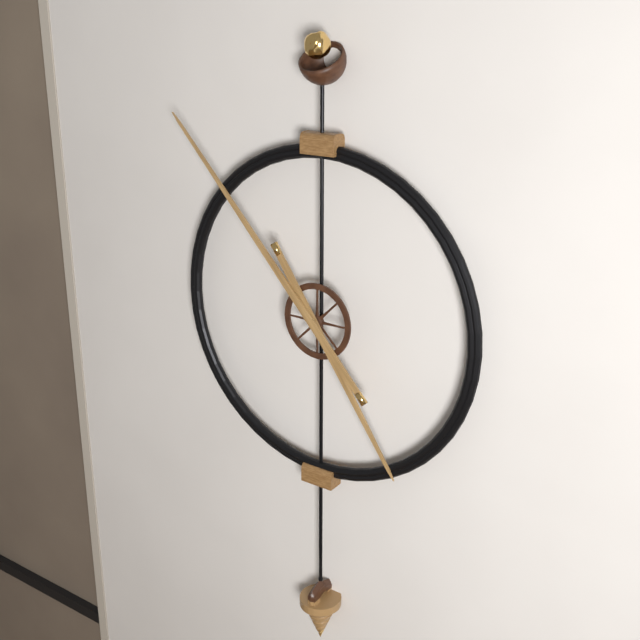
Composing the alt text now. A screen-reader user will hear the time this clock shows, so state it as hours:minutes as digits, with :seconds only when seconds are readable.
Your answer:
4:53
